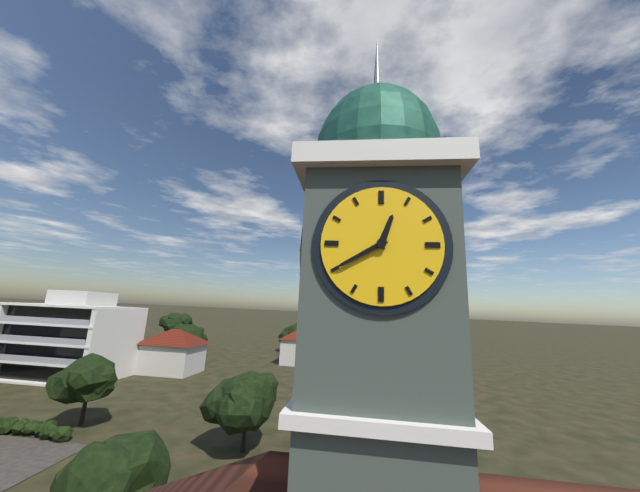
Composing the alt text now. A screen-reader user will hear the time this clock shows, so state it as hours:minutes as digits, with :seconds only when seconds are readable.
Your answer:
12:40
